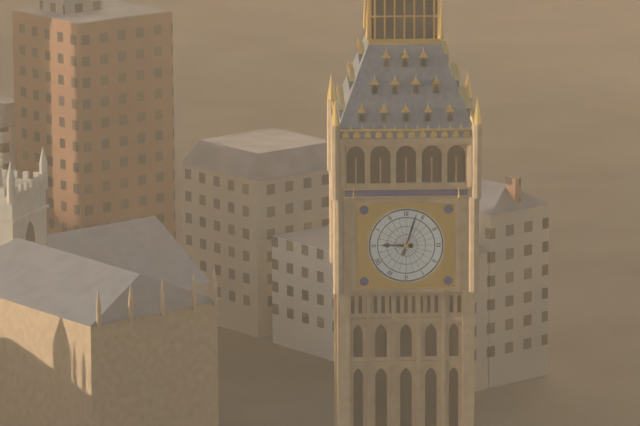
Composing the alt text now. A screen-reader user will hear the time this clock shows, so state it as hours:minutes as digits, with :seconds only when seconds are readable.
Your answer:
9:03
